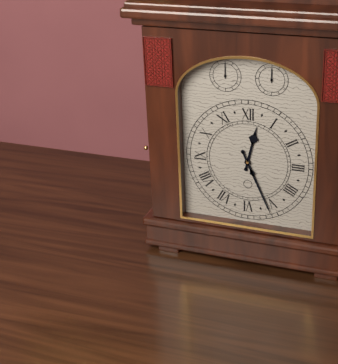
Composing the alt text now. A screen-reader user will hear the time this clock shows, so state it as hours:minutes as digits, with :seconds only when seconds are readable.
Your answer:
12:26
